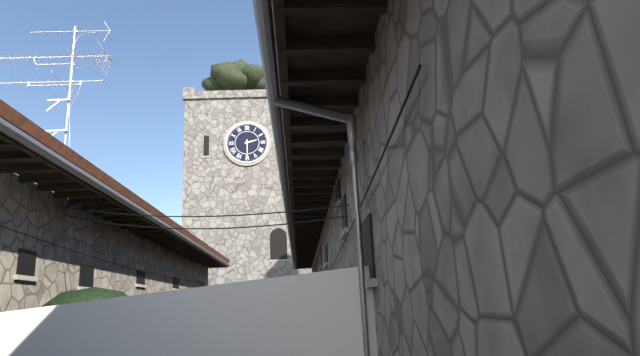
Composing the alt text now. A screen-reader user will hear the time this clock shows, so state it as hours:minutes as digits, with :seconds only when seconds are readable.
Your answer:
2:30
